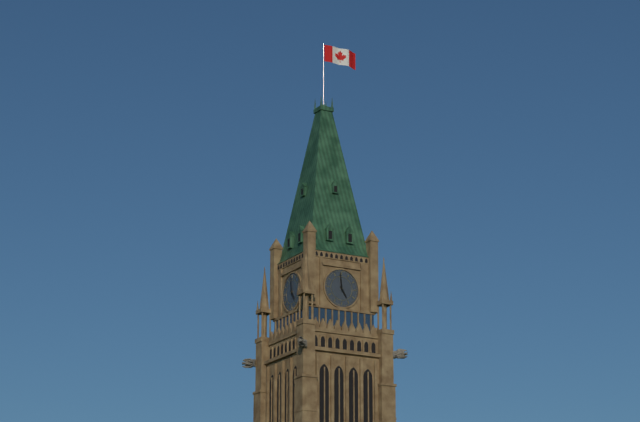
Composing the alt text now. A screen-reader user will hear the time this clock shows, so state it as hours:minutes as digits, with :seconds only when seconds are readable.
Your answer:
4:59
